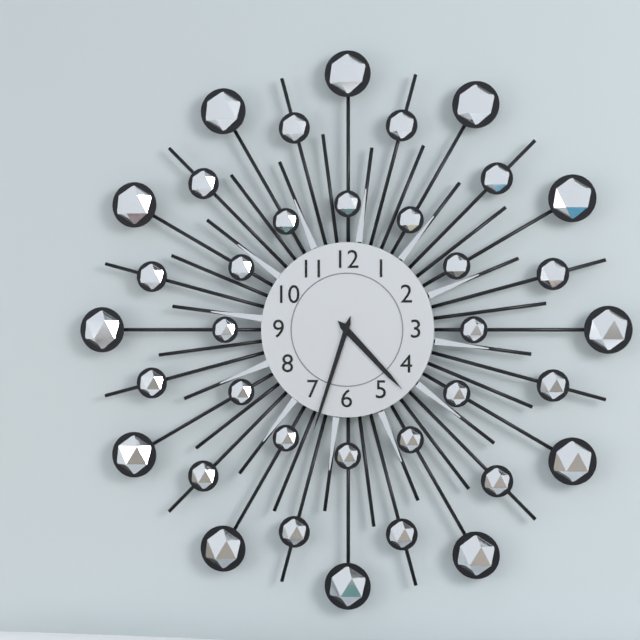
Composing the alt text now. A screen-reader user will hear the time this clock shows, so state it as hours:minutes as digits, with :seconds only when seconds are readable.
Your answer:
4:33
